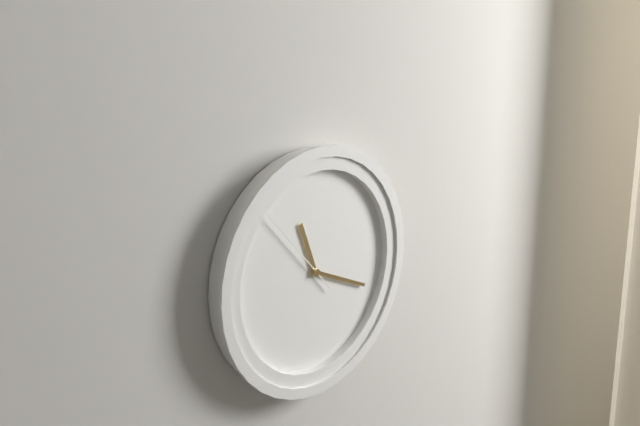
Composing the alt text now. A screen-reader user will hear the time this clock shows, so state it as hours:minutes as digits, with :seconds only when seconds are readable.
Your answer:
11:19:53
